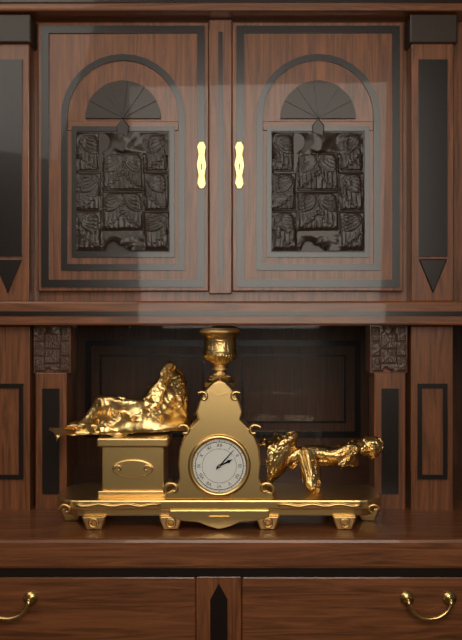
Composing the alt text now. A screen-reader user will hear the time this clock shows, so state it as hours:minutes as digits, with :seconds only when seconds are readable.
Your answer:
2:07
